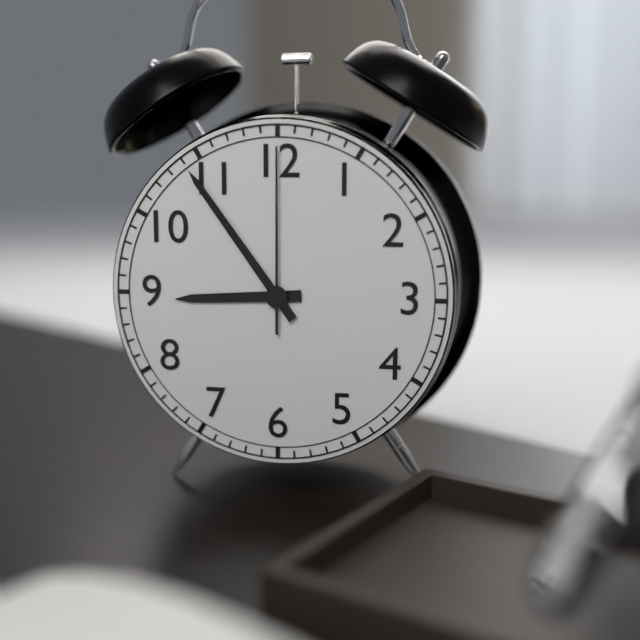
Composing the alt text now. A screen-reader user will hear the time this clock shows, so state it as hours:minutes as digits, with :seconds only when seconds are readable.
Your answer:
8:54:00
